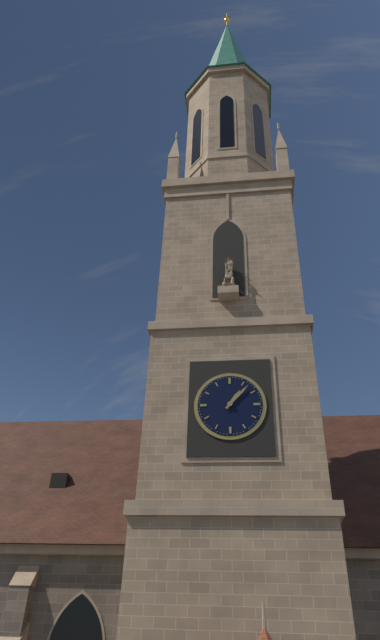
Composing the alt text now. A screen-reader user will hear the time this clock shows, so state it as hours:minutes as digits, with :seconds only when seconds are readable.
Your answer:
1:07
